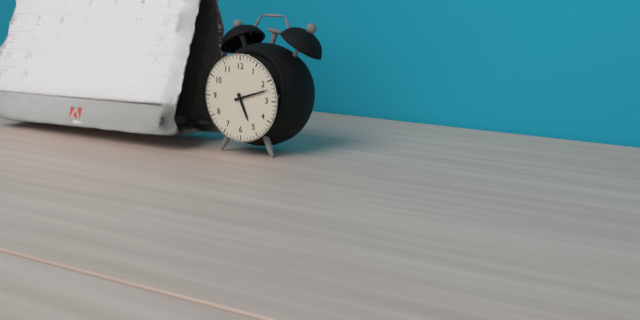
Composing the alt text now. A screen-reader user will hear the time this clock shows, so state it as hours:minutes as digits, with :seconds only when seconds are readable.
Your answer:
5:12
